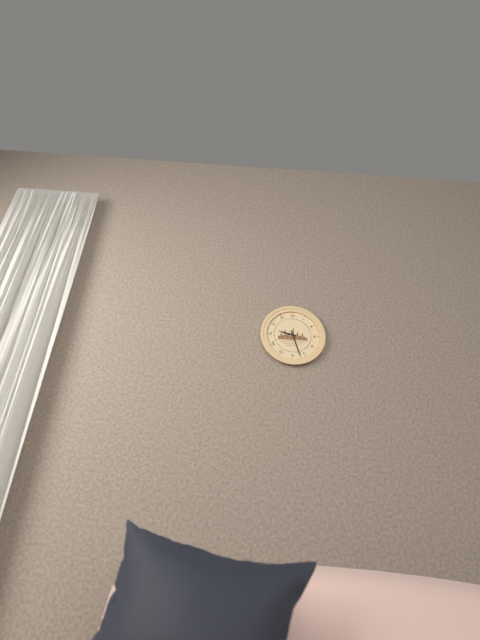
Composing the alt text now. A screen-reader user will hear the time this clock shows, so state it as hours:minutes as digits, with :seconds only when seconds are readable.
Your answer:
9:27
